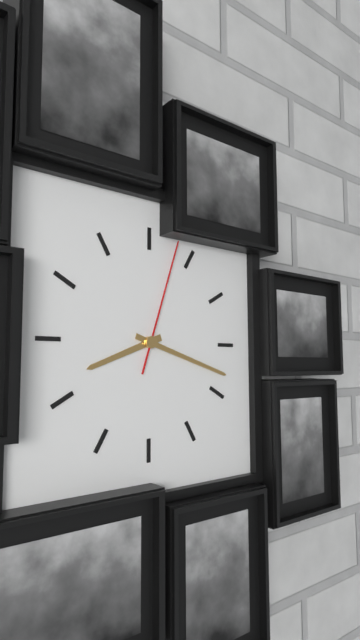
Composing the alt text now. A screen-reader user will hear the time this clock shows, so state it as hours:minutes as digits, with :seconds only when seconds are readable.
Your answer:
8:18:03
